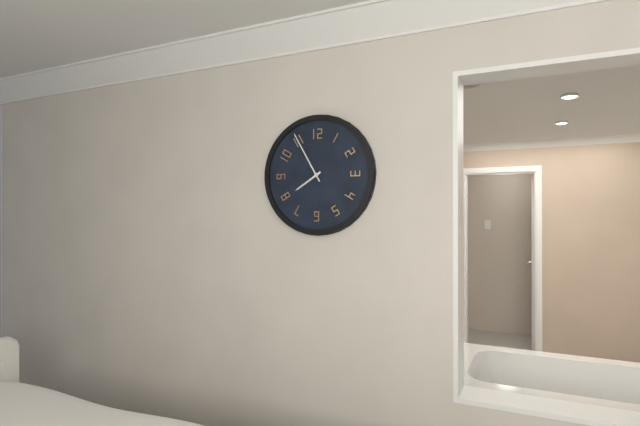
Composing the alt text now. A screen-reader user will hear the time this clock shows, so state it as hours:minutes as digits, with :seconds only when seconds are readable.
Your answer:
7:55
